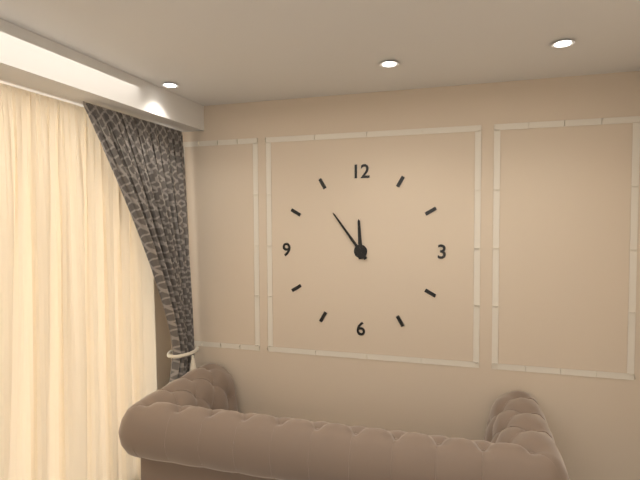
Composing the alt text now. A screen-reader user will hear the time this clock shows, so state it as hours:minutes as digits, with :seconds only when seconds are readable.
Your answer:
11:54
